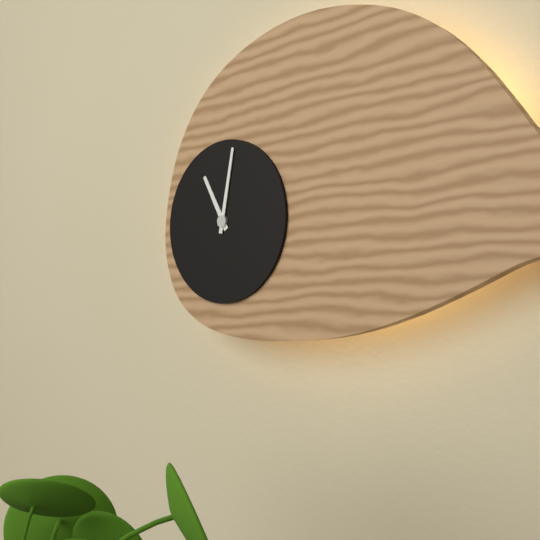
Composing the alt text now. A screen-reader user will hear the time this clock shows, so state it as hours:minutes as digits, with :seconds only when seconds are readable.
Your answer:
11:02
